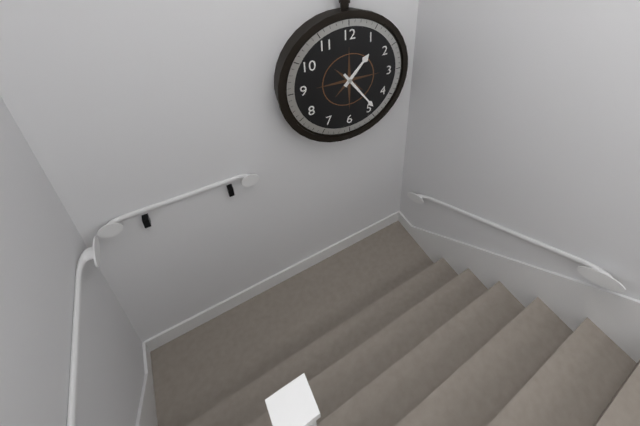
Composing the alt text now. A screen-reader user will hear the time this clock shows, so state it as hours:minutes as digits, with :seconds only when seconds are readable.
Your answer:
1:24
